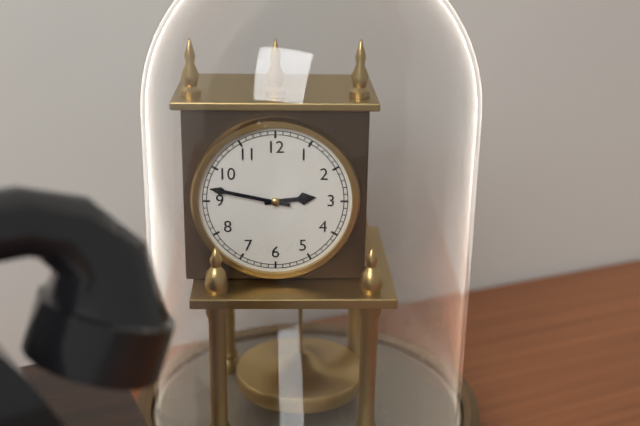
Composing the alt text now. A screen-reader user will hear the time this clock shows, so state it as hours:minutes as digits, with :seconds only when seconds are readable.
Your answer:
2:47
